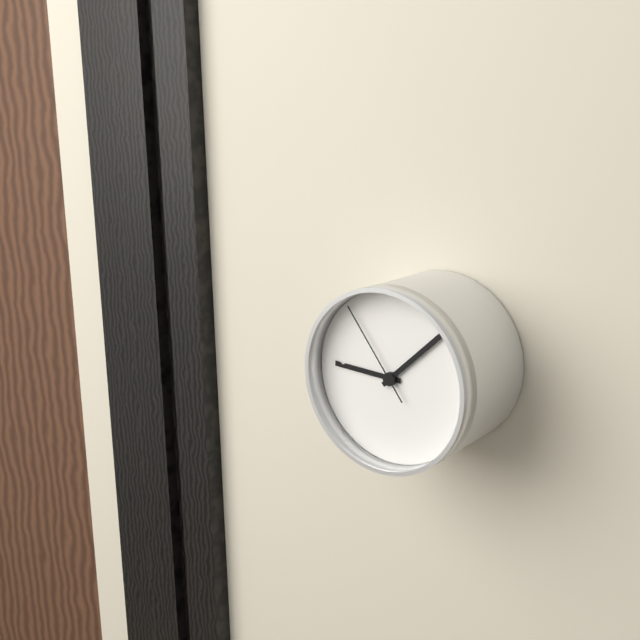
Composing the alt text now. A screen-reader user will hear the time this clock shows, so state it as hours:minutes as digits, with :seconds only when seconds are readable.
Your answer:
9:08:54
